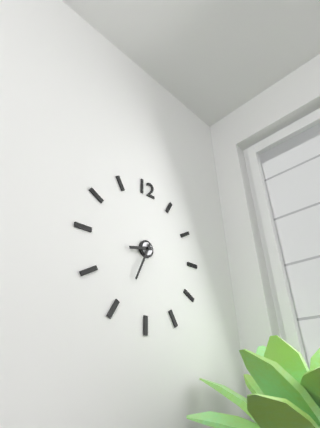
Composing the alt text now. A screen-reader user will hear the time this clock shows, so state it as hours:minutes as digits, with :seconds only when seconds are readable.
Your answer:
8:34
